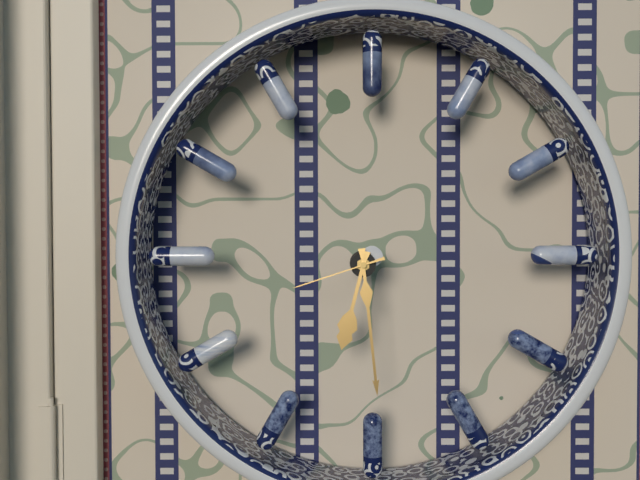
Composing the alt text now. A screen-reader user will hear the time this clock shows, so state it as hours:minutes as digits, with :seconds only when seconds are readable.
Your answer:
6:29:42
